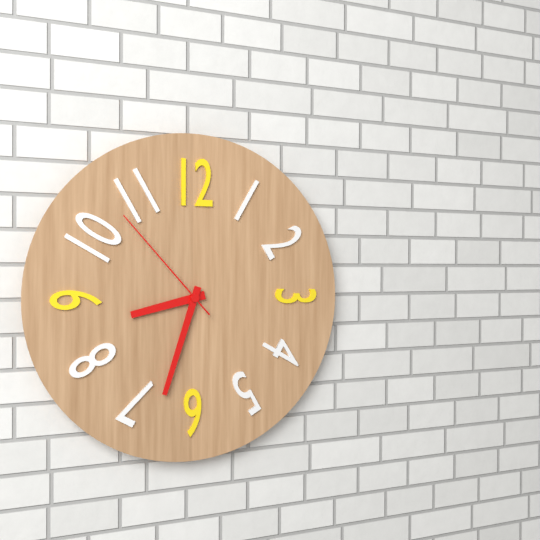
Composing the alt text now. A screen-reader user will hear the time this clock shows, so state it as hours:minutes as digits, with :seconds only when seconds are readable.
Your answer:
8:33:53
